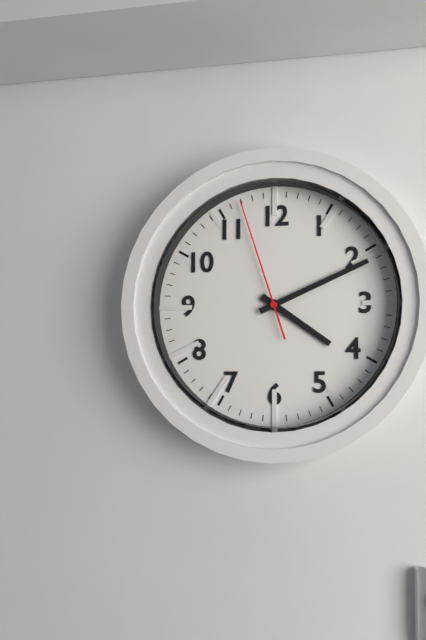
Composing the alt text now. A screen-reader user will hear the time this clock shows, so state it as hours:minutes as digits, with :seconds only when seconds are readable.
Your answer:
4:11:57
